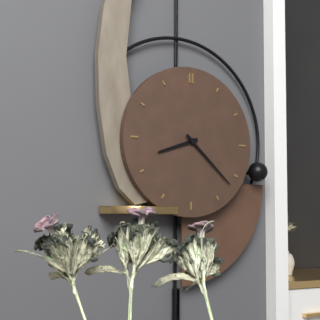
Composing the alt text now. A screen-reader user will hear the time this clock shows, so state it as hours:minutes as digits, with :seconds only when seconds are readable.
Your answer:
8:22
